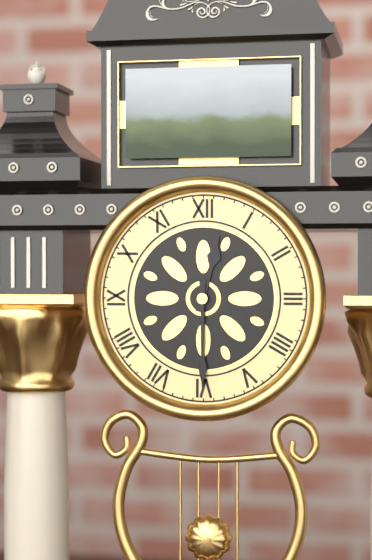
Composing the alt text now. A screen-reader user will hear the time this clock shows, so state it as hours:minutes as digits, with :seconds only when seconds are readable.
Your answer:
12:30
